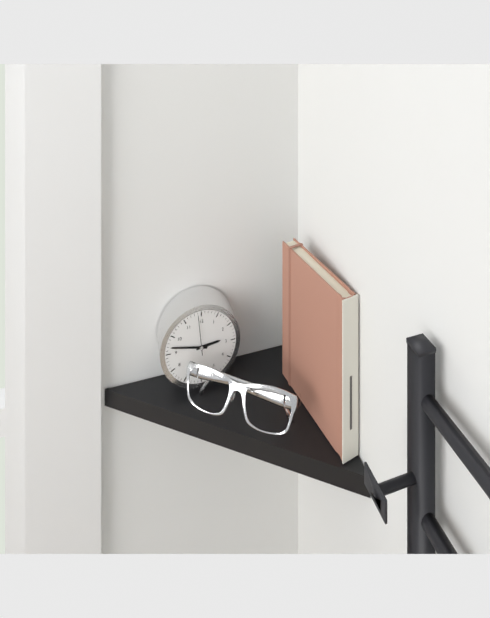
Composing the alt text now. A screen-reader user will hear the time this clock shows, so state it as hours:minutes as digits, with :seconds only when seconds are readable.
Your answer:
2:47
